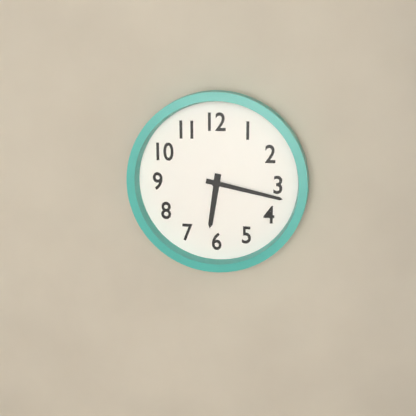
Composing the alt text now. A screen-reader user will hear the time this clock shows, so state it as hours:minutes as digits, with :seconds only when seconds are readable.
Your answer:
6:17
